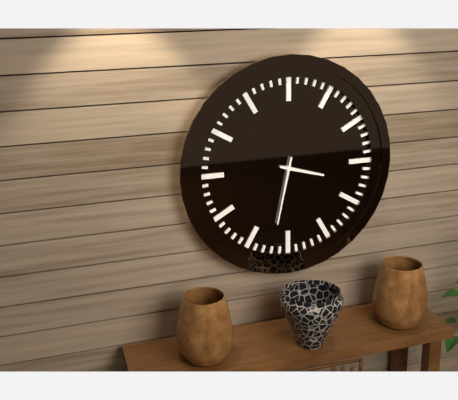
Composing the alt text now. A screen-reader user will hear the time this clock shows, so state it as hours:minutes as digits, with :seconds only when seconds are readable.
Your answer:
3:32
